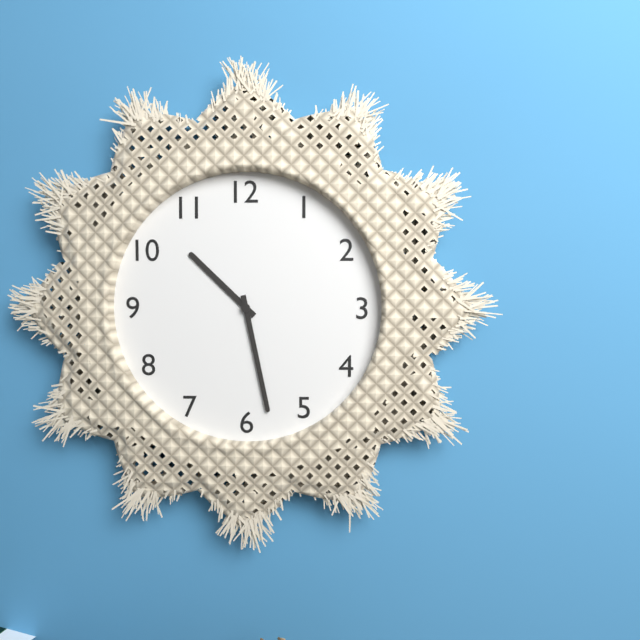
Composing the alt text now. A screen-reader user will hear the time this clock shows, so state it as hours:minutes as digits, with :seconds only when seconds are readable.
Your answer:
10:28
